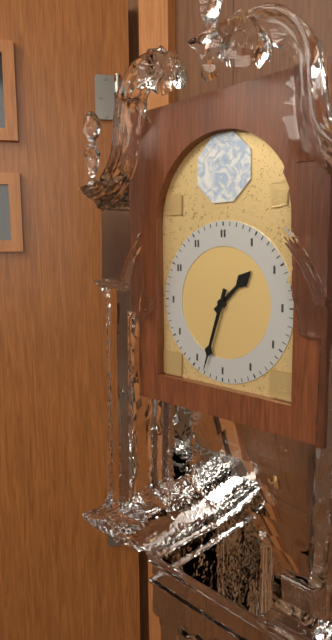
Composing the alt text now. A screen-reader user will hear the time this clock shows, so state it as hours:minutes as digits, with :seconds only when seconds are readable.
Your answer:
1:33
